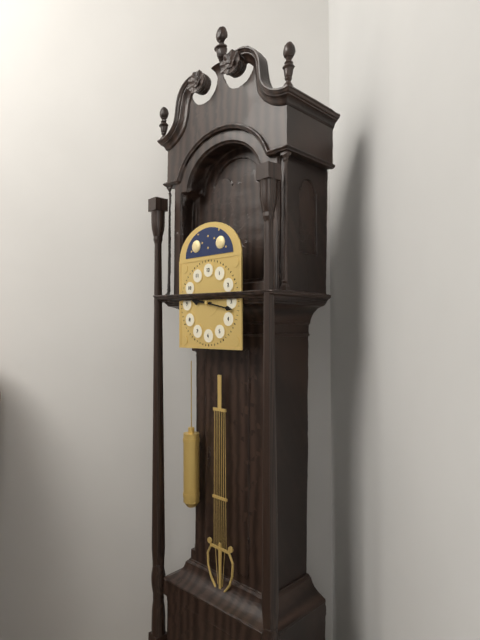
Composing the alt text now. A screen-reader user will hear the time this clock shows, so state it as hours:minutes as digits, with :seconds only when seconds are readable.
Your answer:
9:17
